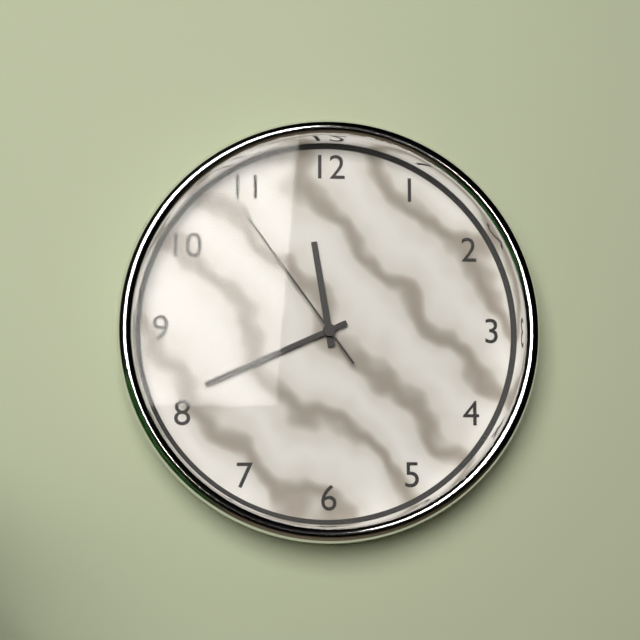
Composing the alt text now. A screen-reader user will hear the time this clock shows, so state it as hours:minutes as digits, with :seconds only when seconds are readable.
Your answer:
11:41:54
